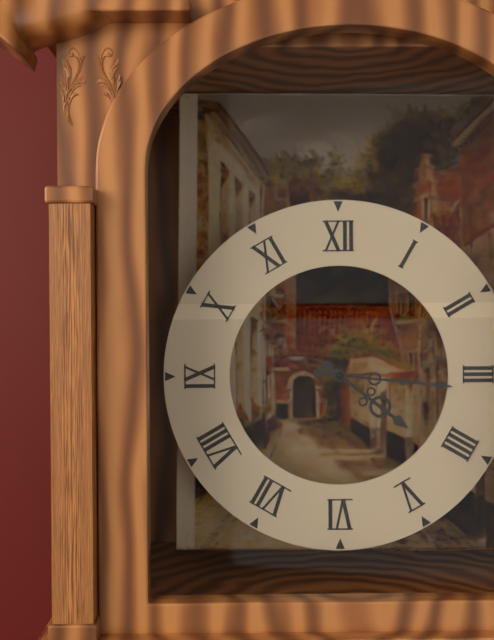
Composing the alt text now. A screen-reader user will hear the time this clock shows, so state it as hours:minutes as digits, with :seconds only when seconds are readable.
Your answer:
4:16
